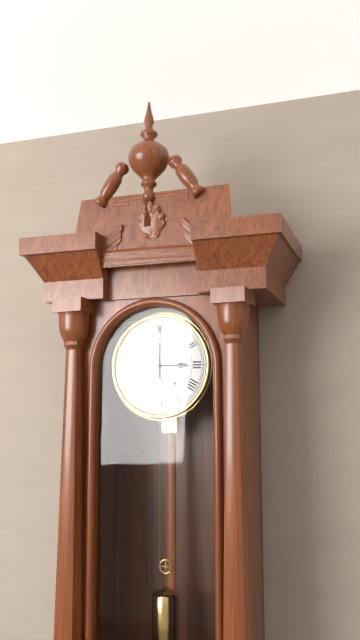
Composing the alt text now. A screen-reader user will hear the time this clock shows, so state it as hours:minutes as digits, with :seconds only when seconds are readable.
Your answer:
3:00
